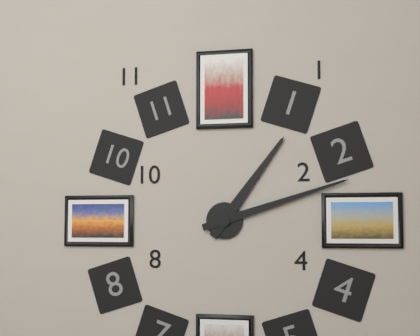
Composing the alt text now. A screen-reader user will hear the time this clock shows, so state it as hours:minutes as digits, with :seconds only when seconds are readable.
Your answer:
1:12
